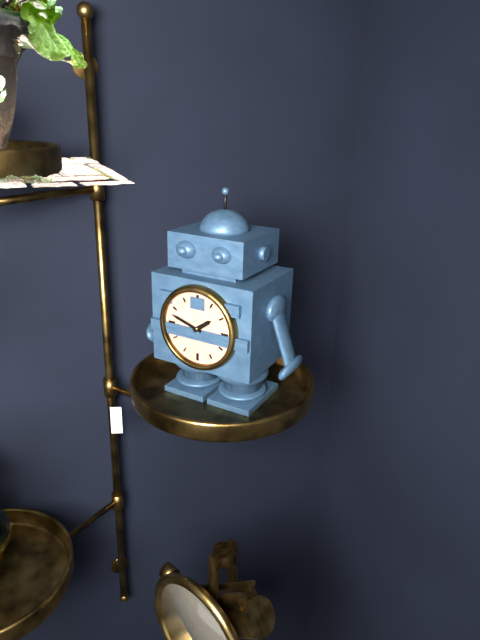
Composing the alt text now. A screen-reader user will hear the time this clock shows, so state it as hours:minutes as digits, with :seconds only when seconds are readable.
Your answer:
1:48
